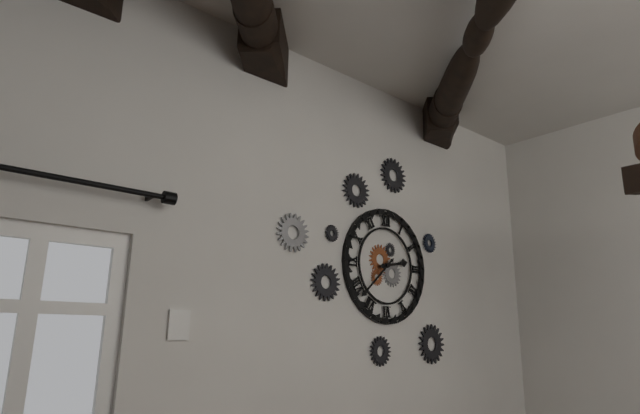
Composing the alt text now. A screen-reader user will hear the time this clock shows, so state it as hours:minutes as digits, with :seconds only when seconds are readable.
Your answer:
2:38
